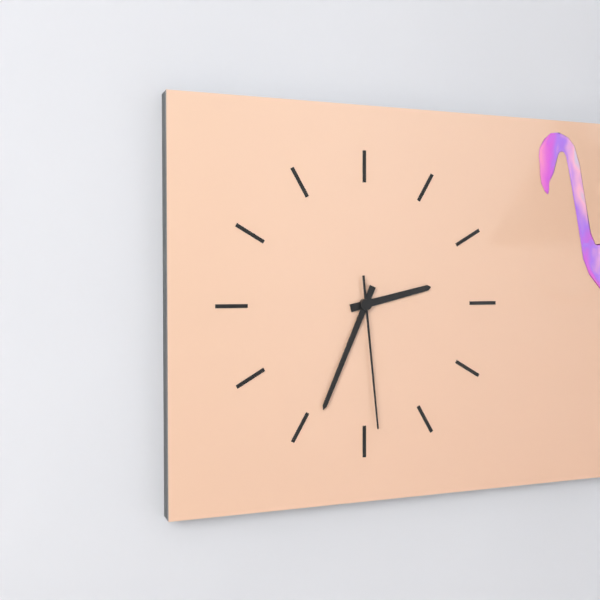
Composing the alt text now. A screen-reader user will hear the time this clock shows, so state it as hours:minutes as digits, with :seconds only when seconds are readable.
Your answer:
2:34:29
